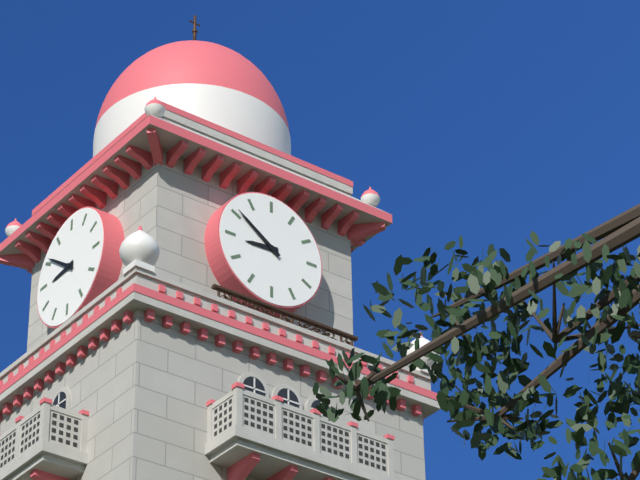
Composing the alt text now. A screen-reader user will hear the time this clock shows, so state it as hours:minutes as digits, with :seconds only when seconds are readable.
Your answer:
8:51
